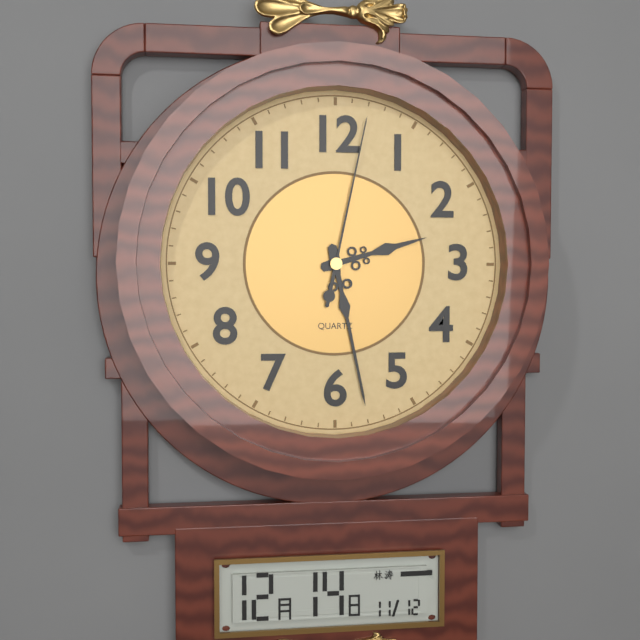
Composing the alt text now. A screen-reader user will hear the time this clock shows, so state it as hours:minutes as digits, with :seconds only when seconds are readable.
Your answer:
2:28:02
